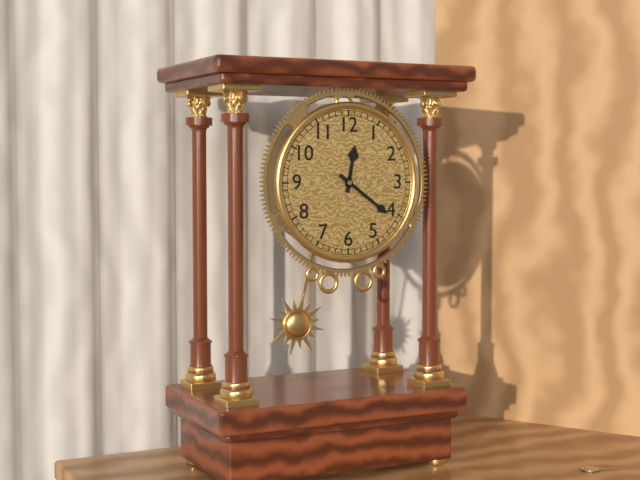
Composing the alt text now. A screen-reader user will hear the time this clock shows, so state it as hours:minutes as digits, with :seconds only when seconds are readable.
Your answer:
12:21
